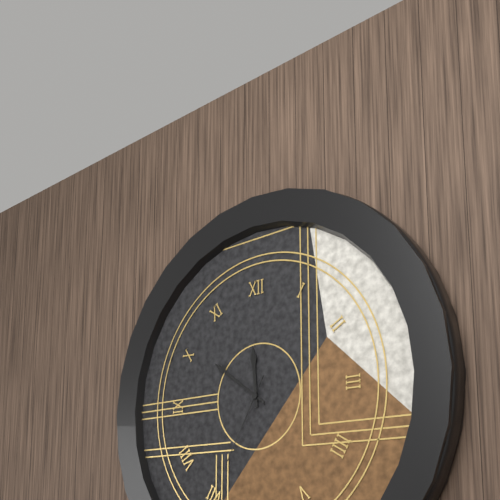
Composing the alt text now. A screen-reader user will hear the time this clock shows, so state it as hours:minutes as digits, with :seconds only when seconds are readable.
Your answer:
11:51:35
